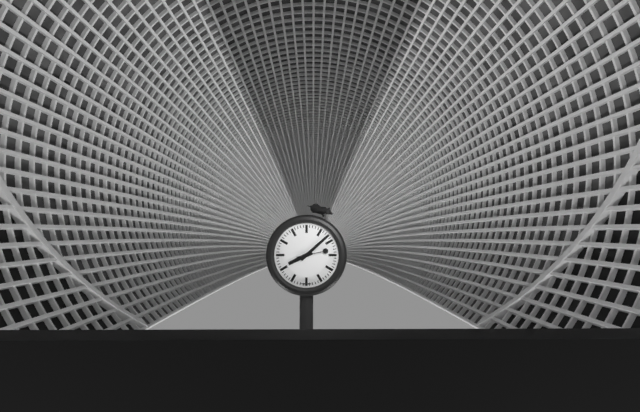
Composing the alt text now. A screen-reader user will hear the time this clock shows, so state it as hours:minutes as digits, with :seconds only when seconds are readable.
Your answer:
8:08
